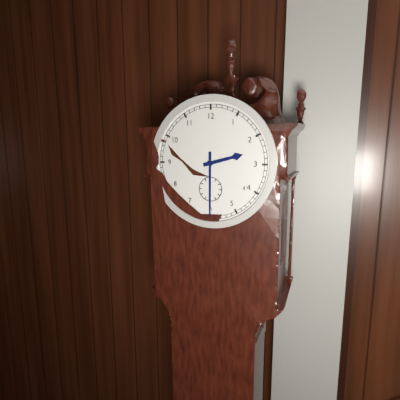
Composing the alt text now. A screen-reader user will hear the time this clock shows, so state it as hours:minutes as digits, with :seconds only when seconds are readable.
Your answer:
2:30
